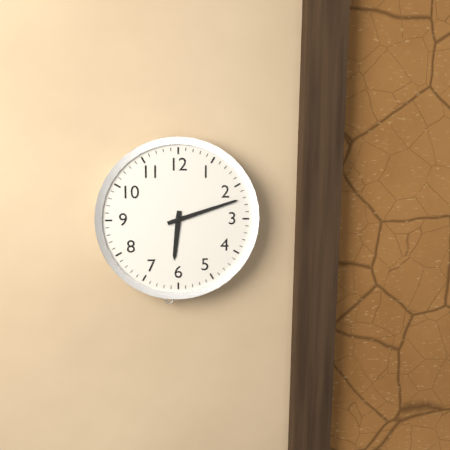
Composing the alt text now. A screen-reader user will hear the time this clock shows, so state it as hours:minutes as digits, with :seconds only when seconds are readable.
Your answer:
6:12
